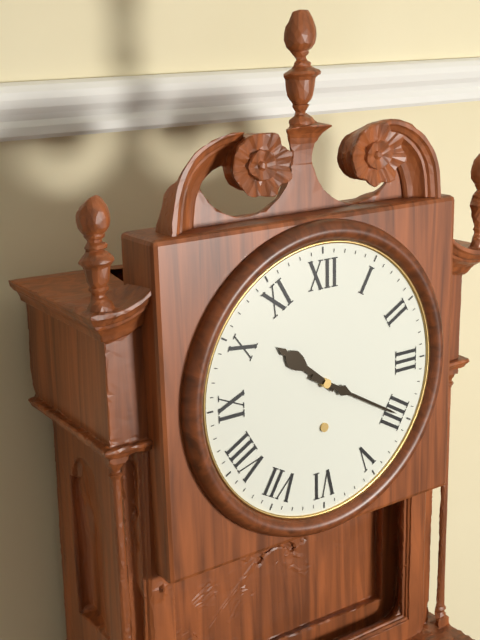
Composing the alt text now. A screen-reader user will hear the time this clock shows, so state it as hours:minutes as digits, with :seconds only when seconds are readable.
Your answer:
10:20
